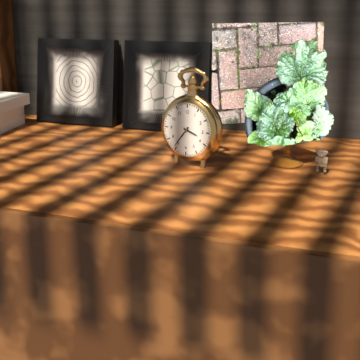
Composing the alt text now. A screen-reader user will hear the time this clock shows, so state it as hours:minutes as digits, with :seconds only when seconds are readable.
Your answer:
3:36
